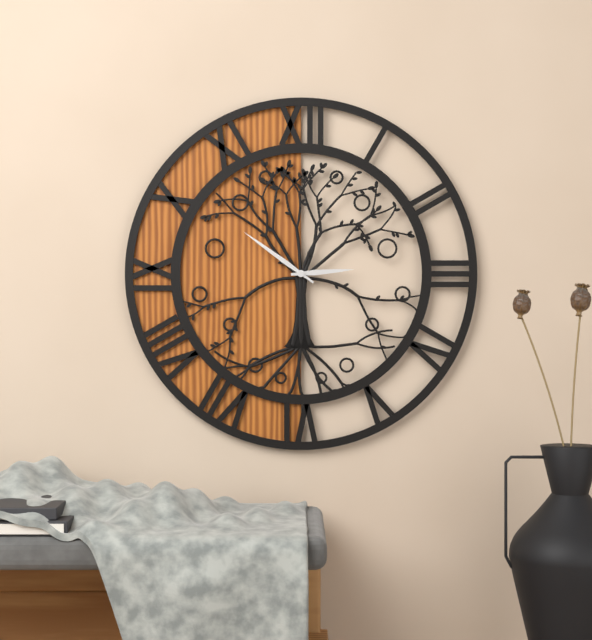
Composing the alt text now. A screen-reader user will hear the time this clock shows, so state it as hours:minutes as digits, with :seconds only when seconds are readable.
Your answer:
2:51
